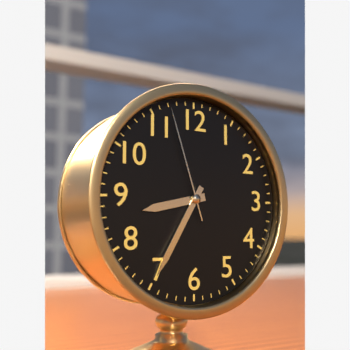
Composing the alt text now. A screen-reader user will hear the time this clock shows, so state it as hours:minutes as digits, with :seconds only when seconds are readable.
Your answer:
8:35:57
